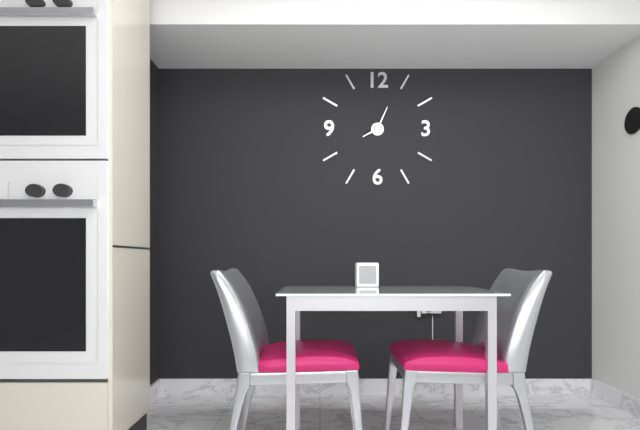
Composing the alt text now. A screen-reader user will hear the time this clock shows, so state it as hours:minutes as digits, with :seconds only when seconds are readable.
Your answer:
8:04
